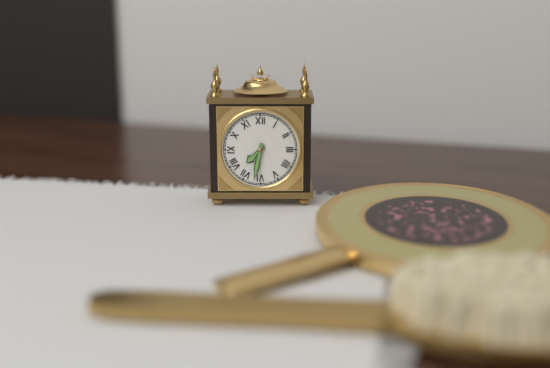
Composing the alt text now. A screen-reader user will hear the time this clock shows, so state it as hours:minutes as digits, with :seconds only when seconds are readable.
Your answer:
7:32
